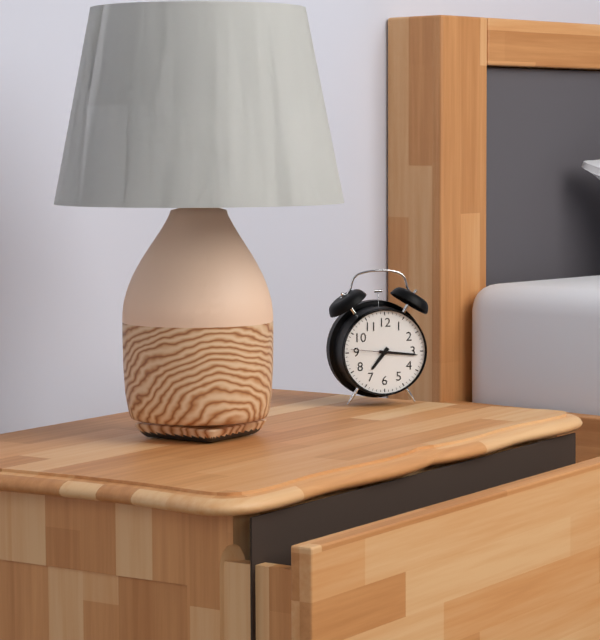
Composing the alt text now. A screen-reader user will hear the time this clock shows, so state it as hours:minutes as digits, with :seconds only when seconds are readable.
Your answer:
7:16
